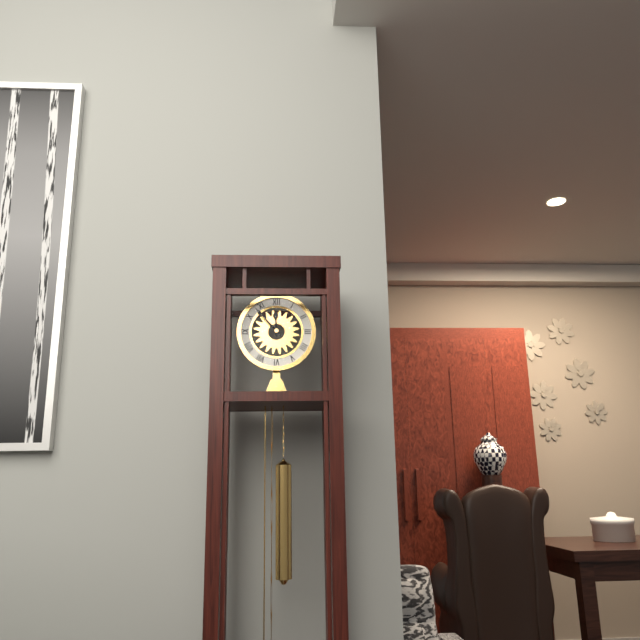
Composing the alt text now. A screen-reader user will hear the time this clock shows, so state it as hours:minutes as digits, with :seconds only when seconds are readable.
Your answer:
11:53
